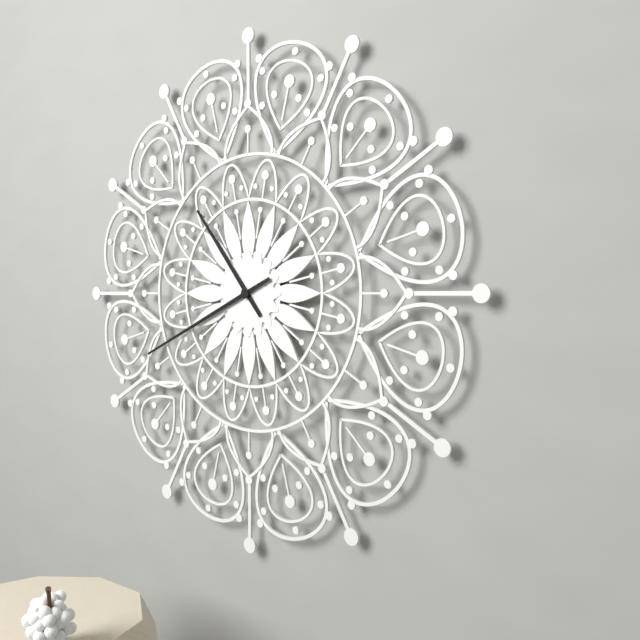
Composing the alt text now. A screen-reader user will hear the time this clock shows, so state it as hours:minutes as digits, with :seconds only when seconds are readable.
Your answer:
10:41
